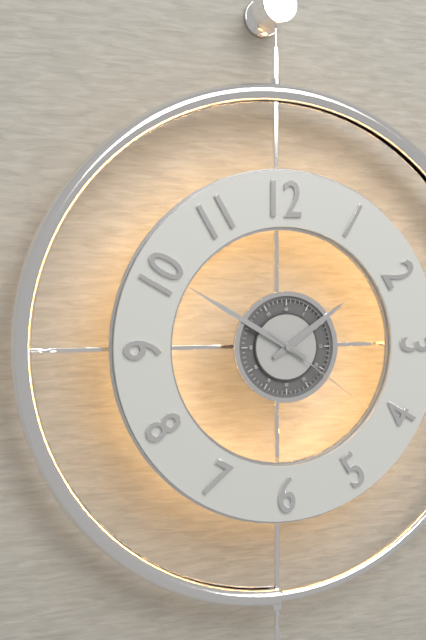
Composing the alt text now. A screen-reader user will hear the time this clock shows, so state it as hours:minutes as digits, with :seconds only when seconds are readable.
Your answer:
1:50:21
